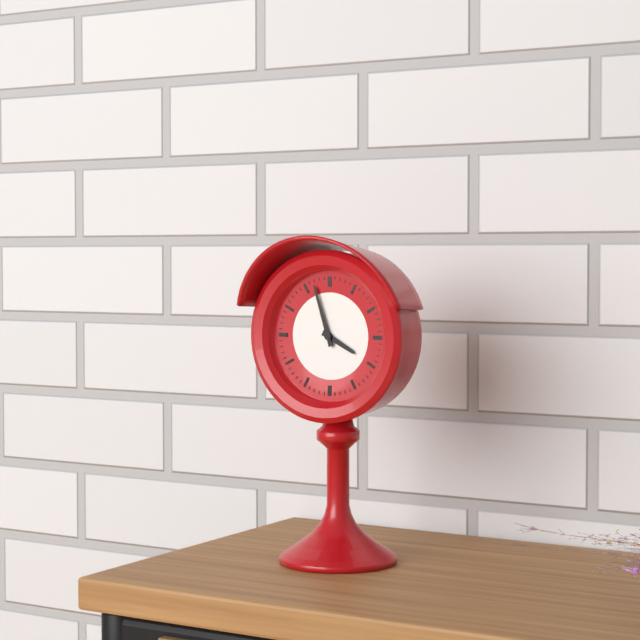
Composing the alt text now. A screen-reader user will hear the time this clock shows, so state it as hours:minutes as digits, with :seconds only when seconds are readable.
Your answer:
3:57
